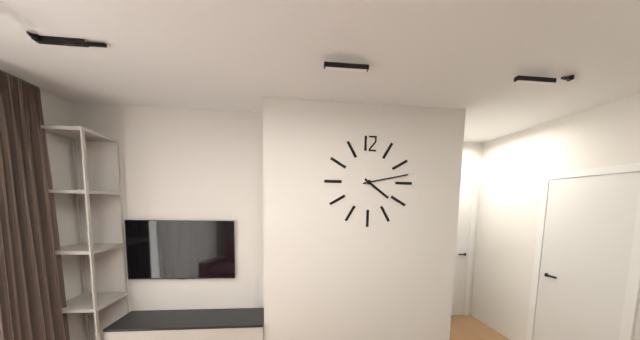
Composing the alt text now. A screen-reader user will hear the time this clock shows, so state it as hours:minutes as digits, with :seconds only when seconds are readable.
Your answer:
4:13
